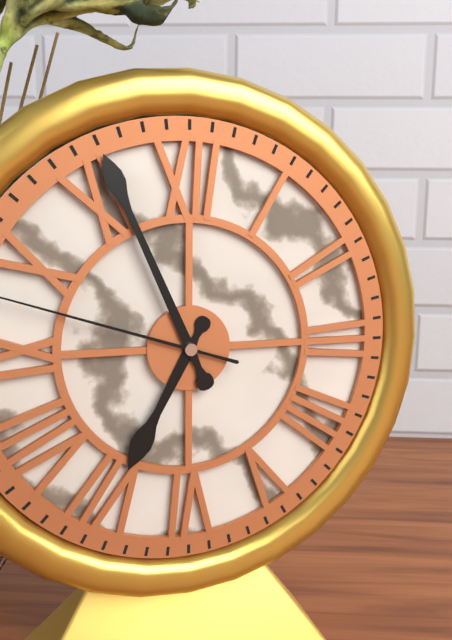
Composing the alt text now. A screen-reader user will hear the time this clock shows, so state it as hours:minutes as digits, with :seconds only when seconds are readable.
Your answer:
6:56
